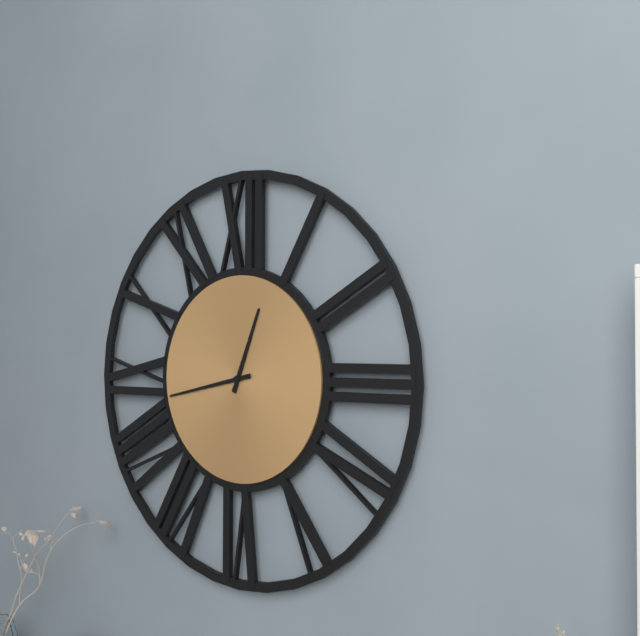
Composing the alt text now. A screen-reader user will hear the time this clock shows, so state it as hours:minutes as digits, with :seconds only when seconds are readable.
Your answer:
12:43
